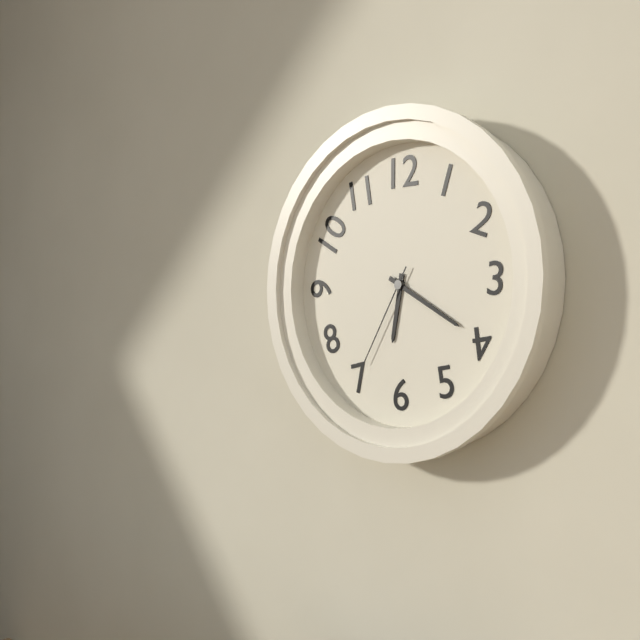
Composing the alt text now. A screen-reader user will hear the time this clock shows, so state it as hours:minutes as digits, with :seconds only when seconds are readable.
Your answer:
6:20:35
